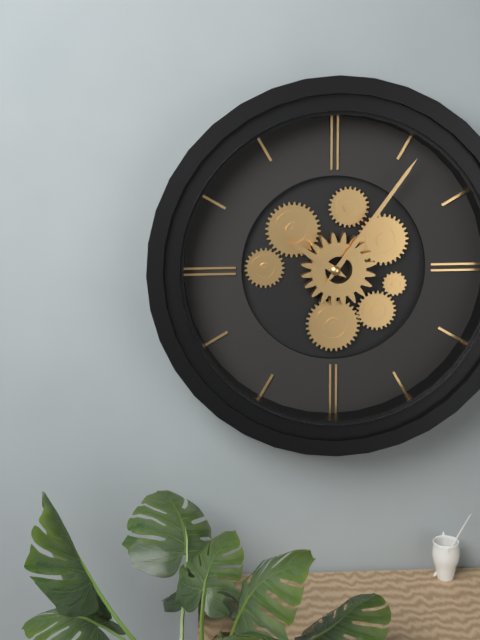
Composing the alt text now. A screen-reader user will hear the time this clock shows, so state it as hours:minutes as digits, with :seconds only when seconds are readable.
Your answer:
10:06
